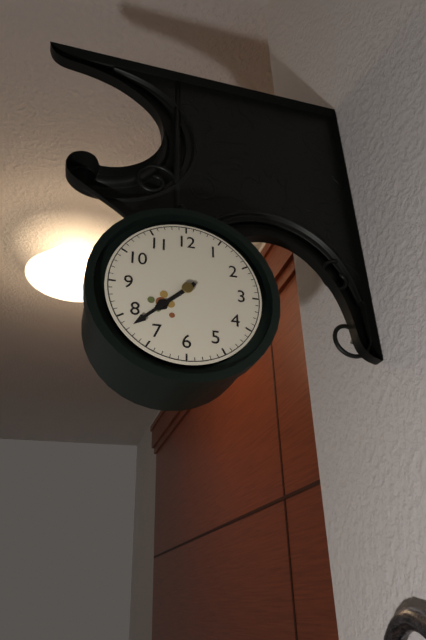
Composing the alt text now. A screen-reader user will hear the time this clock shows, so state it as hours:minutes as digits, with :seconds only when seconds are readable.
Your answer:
7:38
